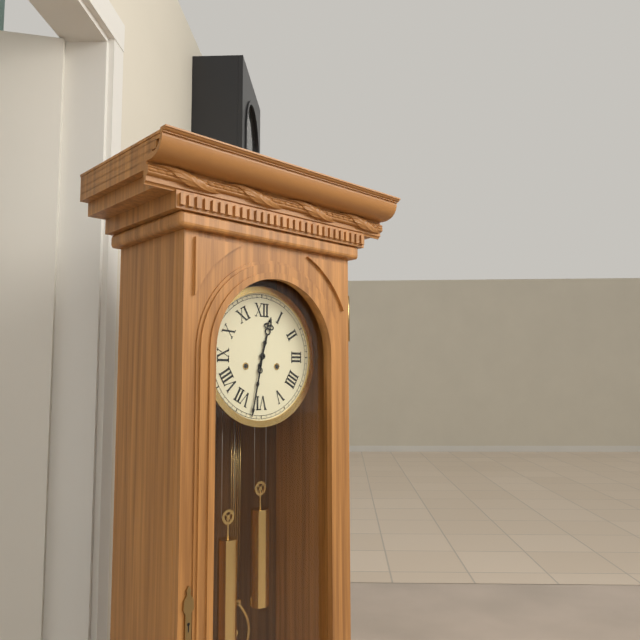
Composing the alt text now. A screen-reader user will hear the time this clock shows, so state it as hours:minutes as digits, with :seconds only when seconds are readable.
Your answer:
12:32
